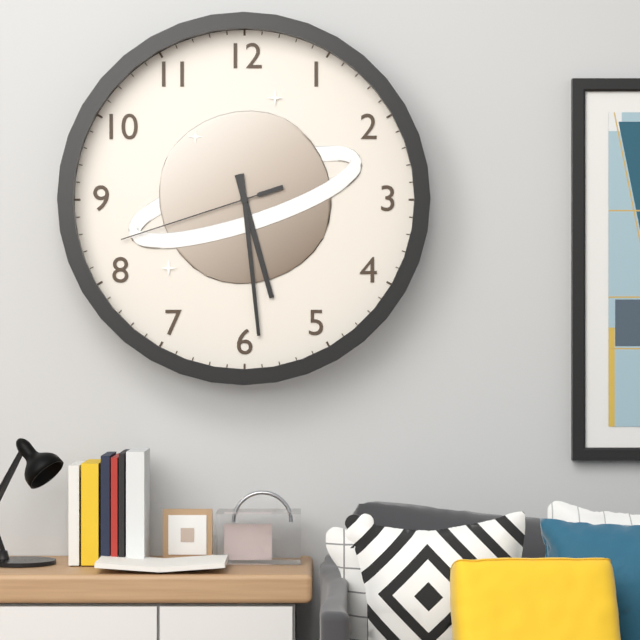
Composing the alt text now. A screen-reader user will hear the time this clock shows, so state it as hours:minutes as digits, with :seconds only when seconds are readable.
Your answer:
5:29:42
